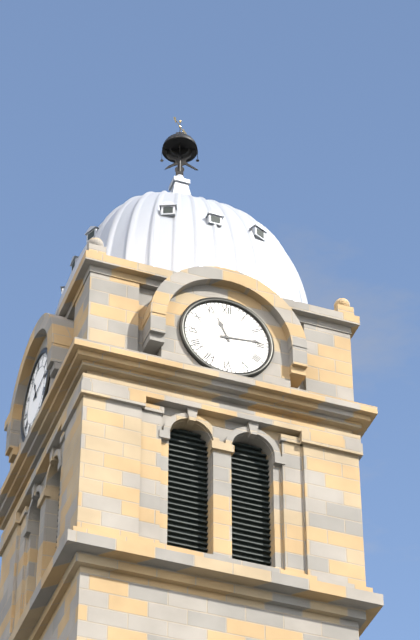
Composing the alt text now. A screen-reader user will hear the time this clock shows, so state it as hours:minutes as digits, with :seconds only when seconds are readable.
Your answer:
11:14
